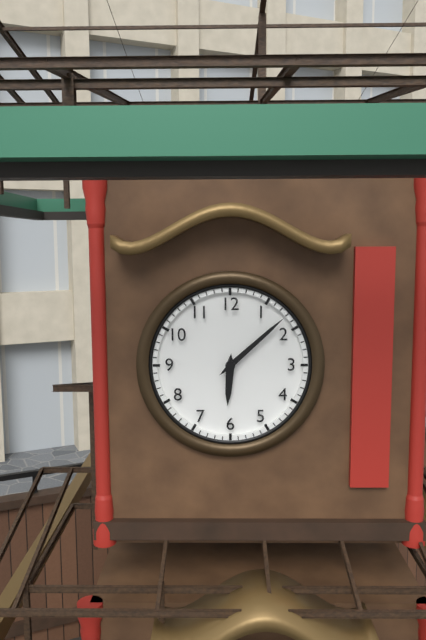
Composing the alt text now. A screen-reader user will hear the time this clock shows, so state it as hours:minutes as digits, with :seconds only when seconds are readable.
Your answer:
6:08
